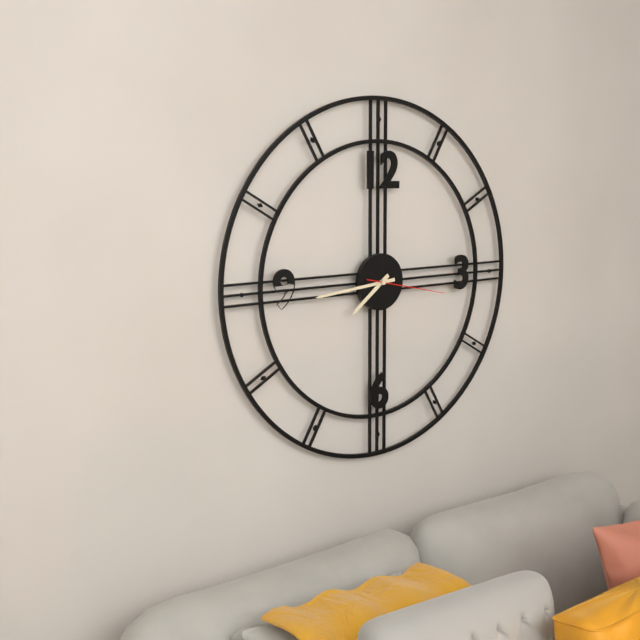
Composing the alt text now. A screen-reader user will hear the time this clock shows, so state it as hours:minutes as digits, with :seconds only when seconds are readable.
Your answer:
7:44:17
